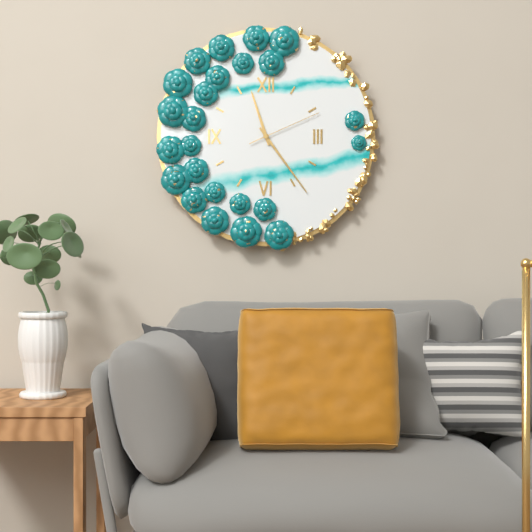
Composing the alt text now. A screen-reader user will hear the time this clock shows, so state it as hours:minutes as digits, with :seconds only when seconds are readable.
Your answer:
11:24:11
